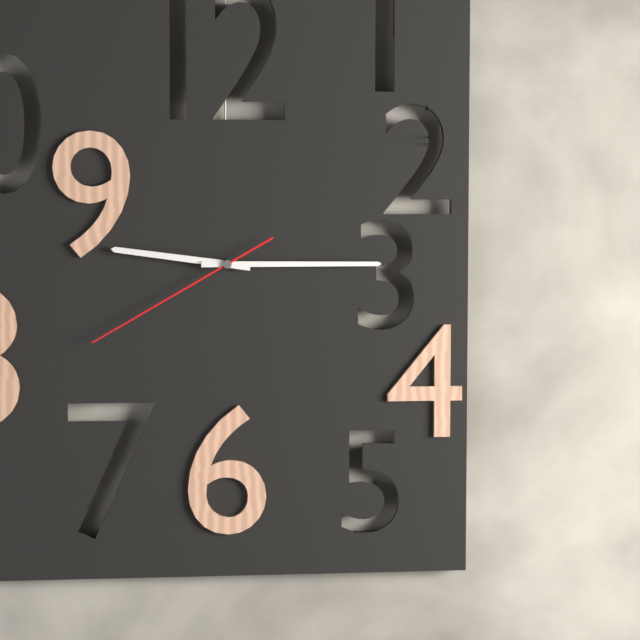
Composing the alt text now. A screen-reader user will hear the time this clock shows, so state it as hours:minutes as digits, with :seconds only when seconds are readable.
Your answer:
9:15:40
